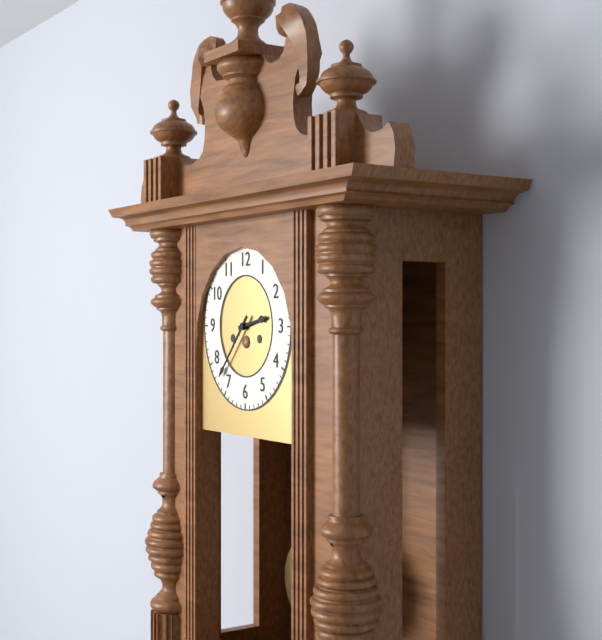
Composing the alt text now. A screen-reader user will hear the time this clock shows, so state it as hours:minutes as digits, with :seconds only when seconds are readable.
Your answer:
2:37
